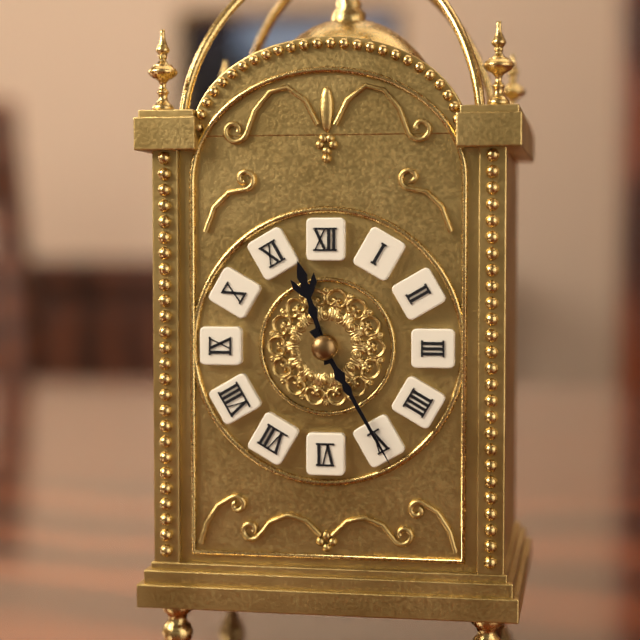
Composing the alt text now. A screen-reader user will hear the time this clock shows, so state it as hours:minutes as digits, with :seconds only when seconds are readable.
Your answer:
11:25
